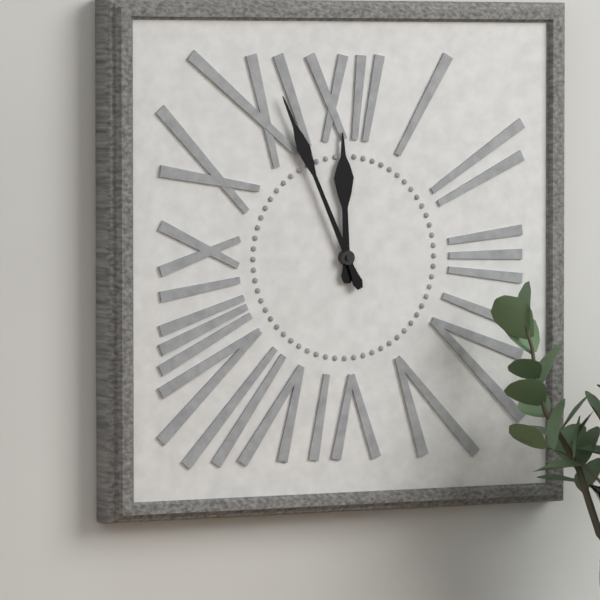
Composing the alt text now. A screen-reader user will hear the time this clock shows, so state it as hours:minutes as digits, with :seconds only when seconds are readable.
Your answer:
11:56
